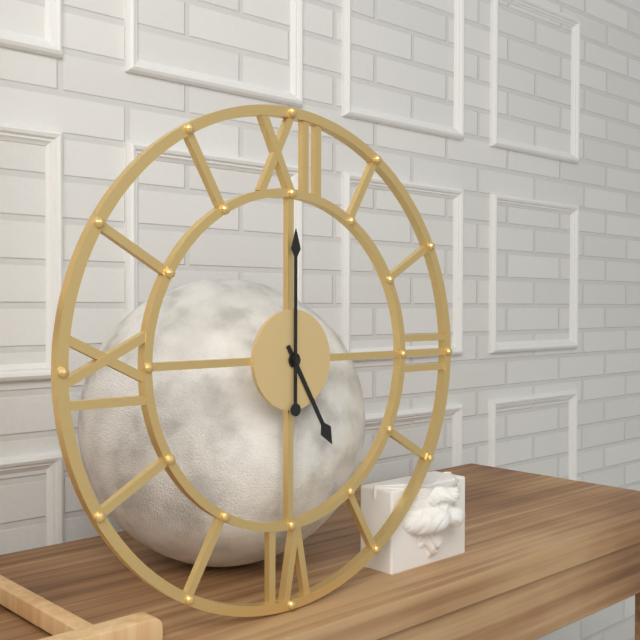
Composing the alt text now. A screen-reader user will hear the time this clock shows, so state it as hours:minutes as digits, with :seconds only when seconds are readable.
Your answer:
5:00
